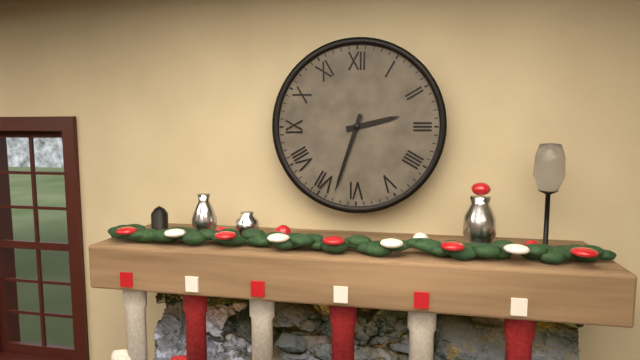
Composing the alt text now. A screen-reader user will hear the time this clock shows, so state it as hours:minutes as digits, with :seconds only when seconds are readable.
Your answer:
2:33
